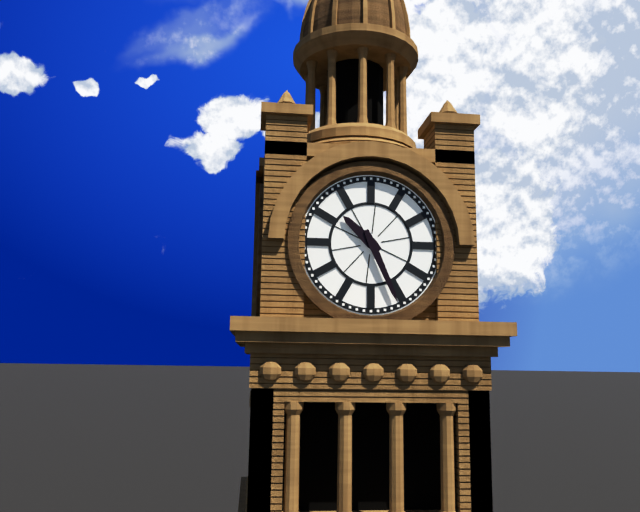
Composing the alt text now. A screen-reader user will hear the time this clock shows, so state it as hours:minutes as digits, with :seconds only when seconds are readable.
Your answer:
10:26
